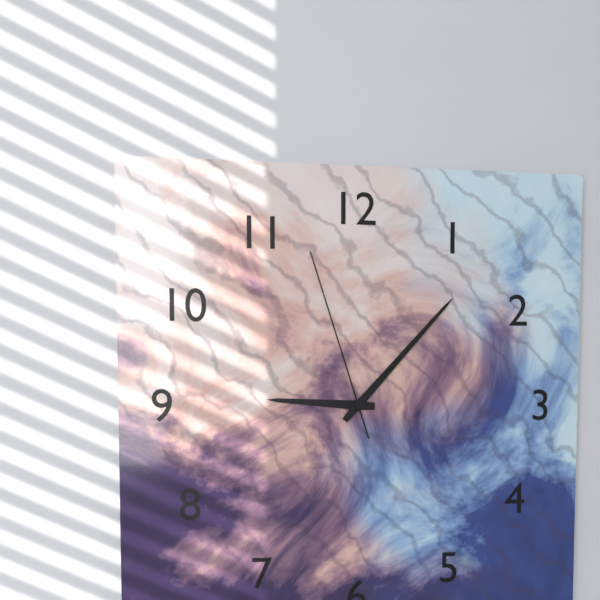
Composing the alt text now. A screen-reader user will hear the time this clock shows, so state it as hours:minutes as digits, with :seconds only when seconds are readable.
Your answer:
9:07:57
